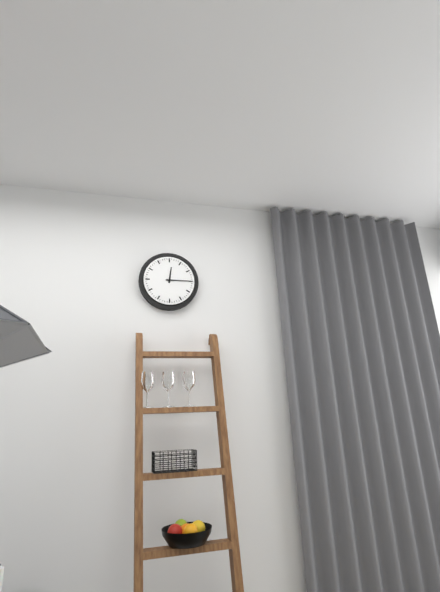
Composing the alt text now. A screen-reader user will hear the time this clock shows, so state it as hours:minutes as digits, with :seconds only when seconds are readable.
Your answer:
12:15
